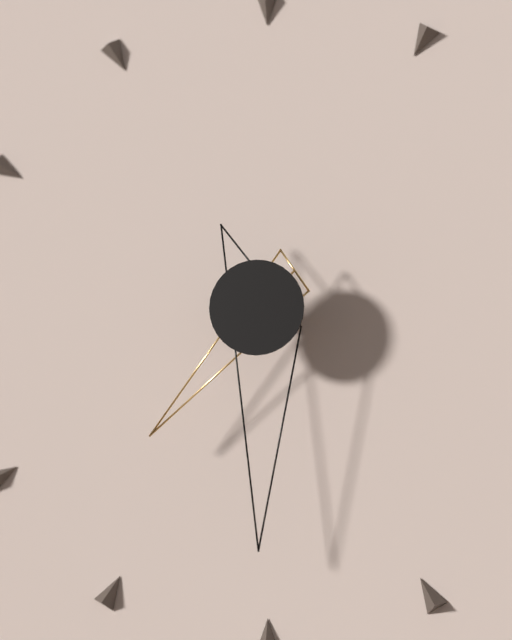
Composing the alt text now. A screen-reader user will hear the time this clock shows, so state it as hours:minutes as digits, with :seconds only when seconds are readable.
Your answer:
7:30
